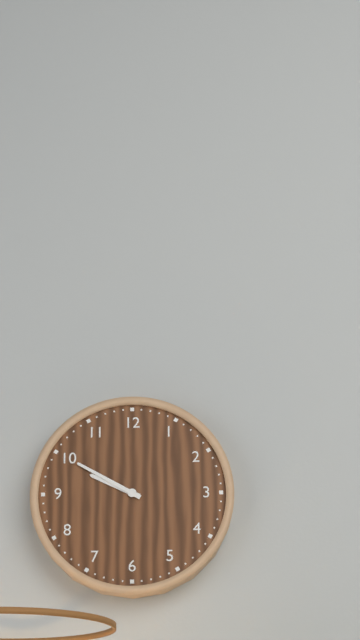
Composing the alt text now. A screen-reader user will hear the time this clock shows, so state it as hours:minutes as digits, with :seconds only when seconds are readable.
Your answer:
9:50
